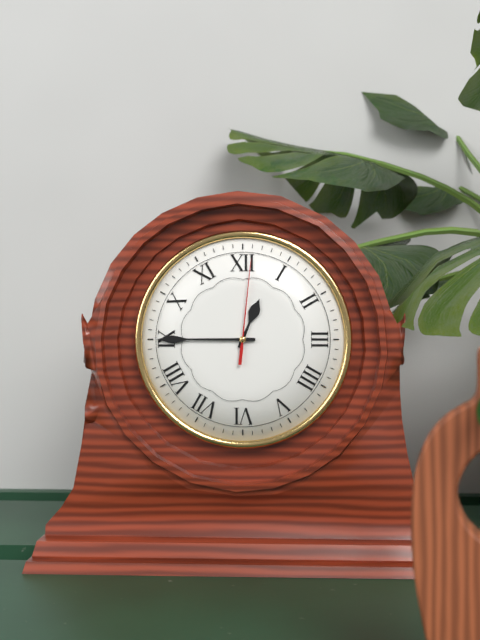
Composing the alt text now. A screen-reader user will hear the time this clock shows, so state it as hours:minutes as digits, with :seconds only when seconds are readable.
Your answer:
12:45:01
